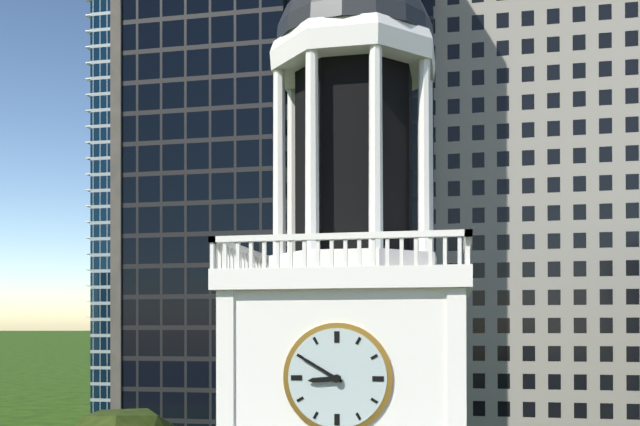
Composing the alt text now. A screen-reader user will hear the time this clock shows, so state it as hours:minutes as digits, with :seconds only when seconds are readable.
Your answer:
8:50
